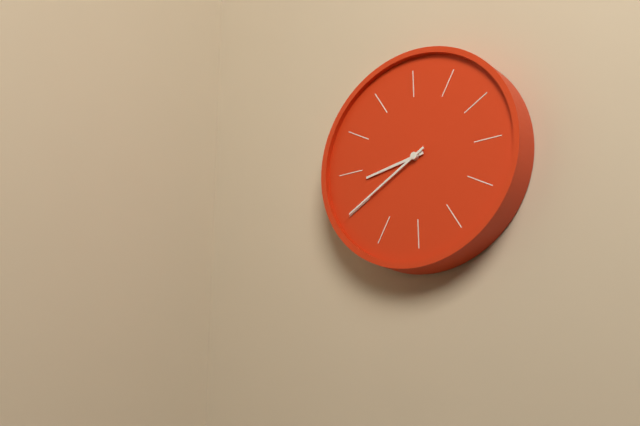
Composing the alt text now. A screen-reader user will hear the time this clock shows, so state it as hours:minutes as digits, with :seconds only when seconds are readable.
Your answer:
8:40
